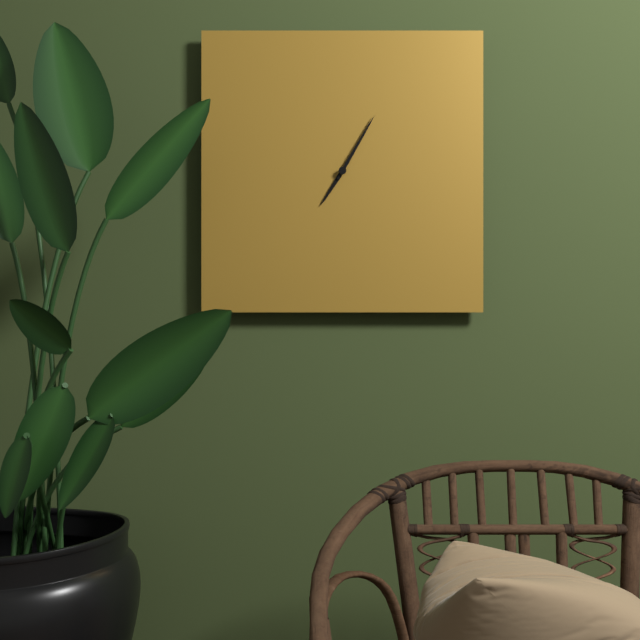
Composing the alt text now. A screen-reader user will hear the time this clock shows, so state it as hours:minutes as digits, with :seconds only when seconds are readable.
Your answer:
7:05
